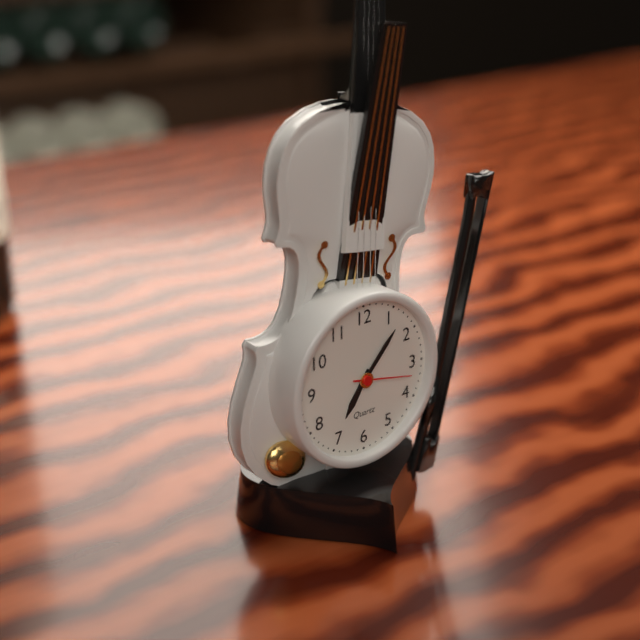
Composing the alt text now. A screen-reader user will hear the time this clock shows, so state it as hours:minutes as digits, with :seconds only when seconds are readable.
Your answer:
7:07:17
